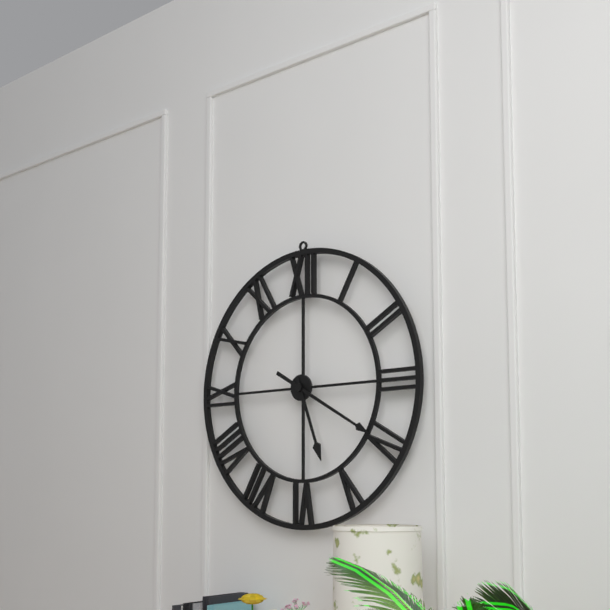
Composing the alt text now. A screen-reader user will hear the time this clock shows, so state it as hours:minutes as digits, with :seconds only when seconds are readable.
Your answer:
5:20
